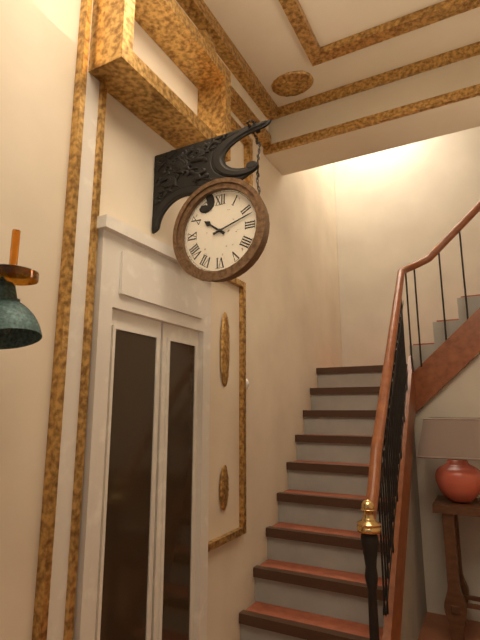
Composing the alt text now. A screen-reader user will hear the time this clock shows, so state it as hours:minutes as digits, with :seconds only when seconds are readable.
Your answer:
10:12
